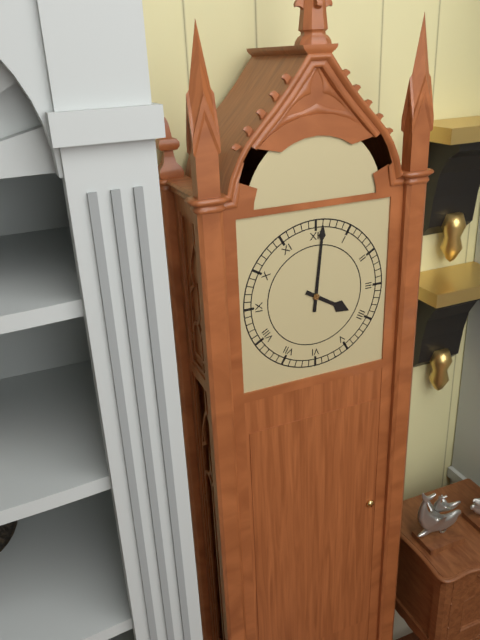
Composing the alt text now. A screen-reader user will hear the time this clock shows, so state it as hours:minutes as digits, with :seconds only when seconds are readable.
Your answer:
4:01
